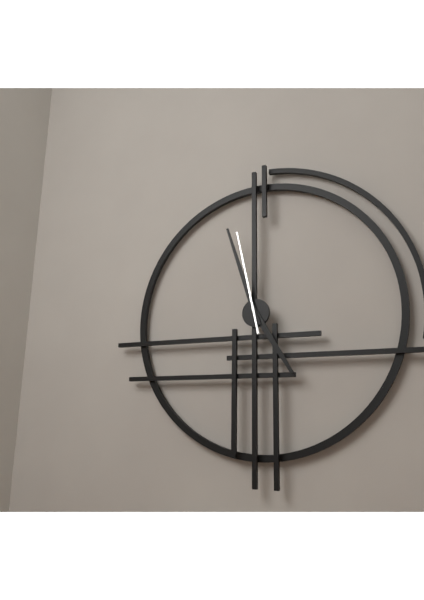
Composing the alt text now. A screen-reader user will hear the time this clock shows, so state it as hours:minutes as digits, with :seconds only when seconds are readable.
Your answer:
4:57:58
